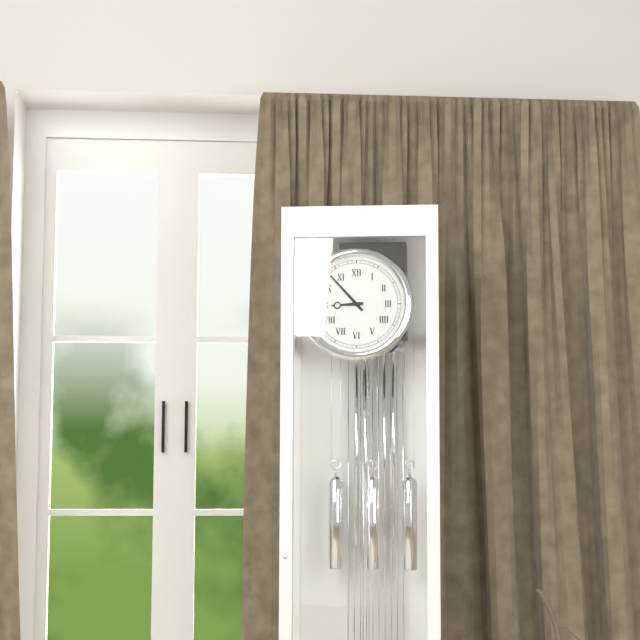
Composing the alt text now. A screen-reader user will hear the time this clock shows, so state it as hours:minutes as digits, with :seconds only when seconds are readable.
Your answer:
8:53
